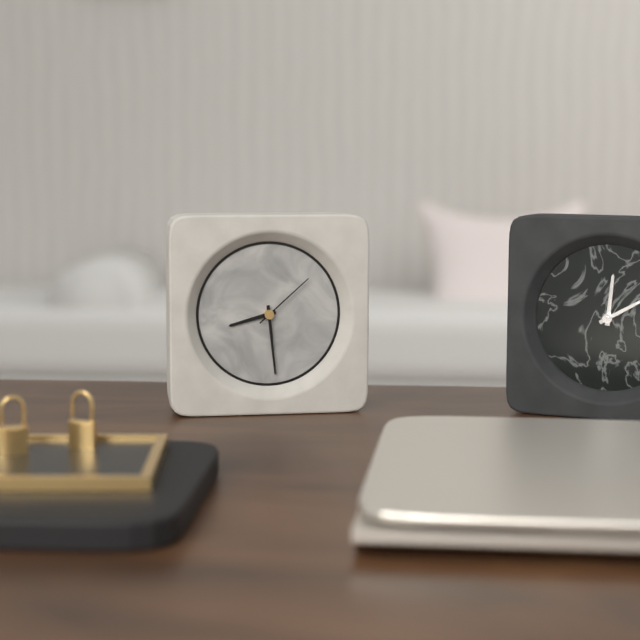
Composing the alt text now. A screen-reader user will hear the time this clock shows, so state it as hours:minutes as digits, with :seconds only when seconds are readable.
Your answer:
8:29:08
